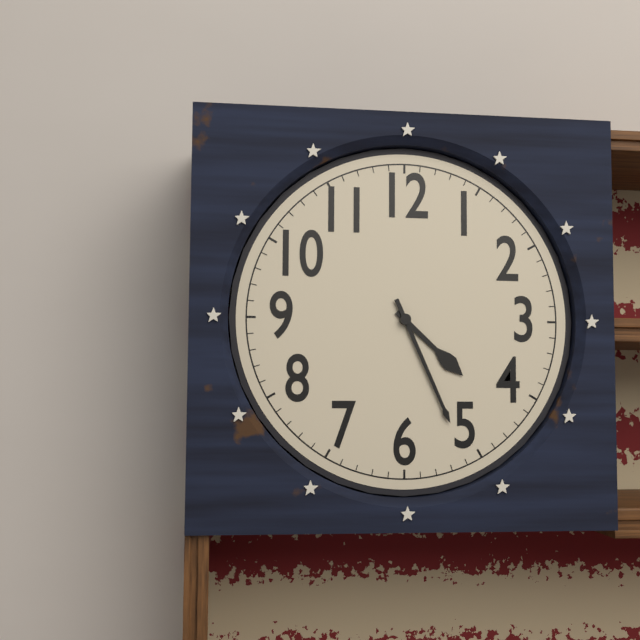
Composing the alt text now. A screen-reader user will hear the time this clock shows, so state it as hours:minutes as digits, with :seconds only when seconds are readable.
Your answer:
4:26
